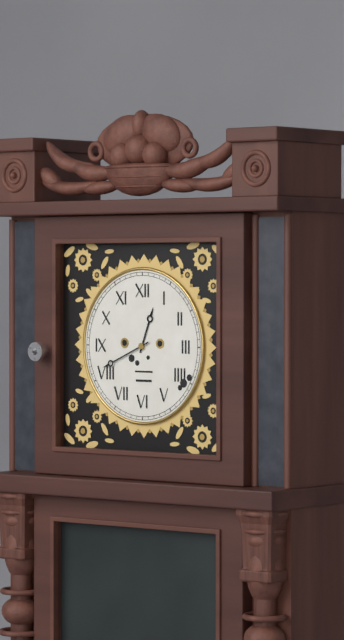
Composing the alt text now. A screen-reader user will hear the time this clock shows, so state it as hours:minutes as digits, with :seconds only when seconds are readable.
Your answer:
12:41
